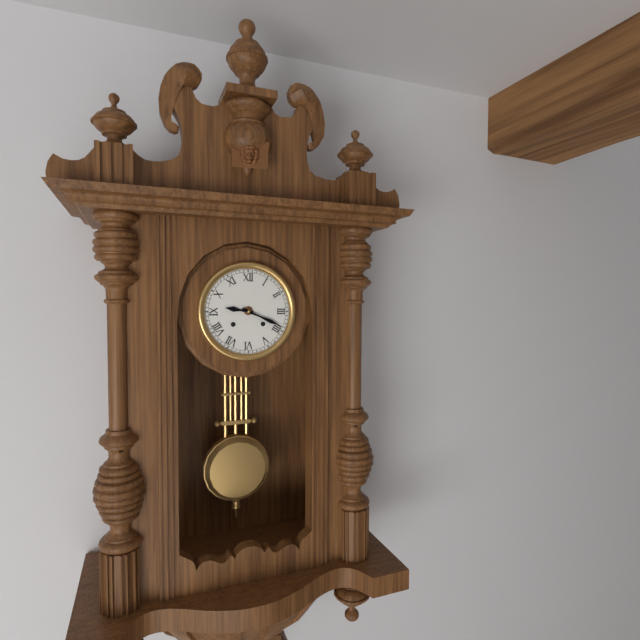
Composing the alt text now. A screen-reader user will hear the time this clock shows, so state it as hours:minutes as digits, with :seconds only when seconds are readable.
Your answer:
9:19
